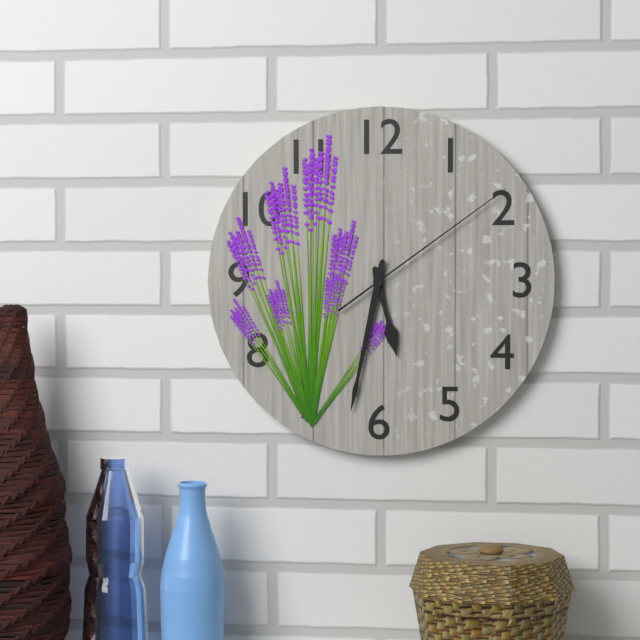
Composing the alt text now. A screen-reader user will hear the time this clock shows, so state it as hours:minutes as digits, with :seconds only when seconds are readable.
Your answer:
5:32:09
